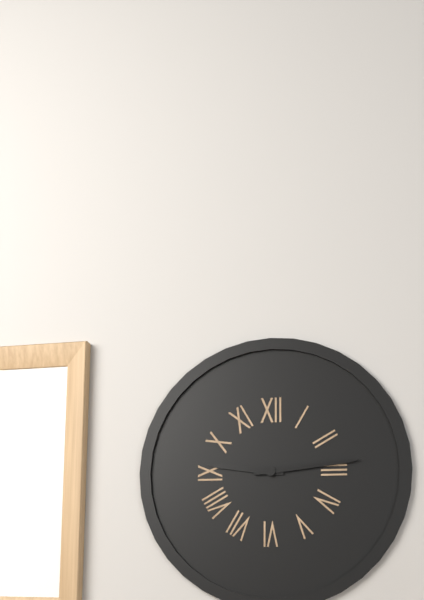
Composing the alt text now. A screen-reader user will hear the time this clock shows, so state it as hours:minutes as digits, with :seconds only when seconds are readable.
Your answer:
9:14
